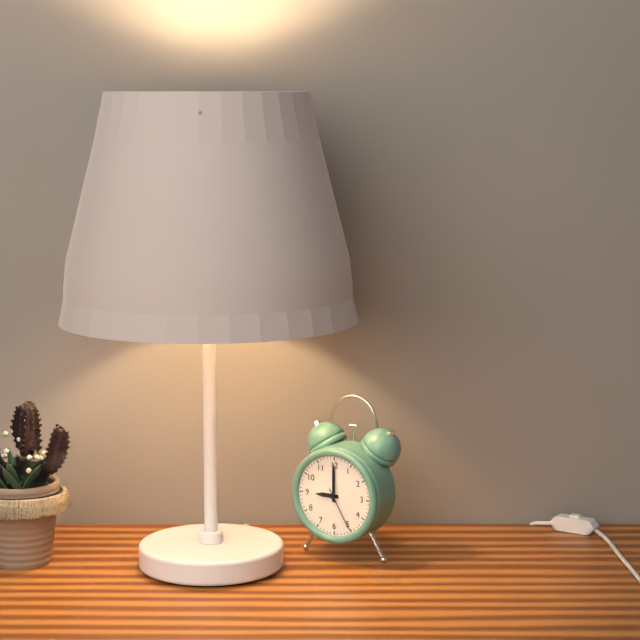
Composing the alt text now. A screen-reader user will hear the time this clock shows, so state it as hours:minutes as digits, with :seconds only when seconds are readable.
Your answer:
9:00
